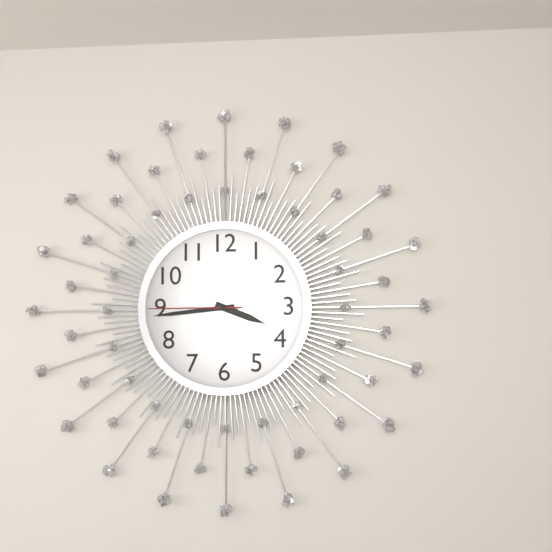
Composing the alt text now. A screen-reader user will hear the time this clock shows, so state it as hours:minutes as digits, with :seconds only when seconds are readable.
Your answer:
3:44:45
